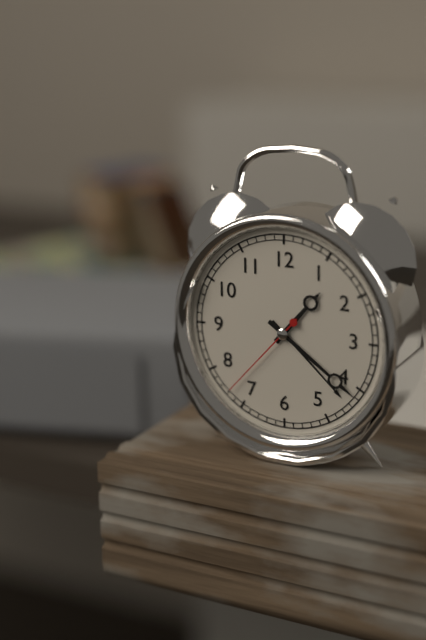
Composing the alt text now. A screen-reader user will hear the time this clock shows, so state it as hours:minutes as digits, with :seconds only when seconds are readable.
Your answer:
1:21:37
